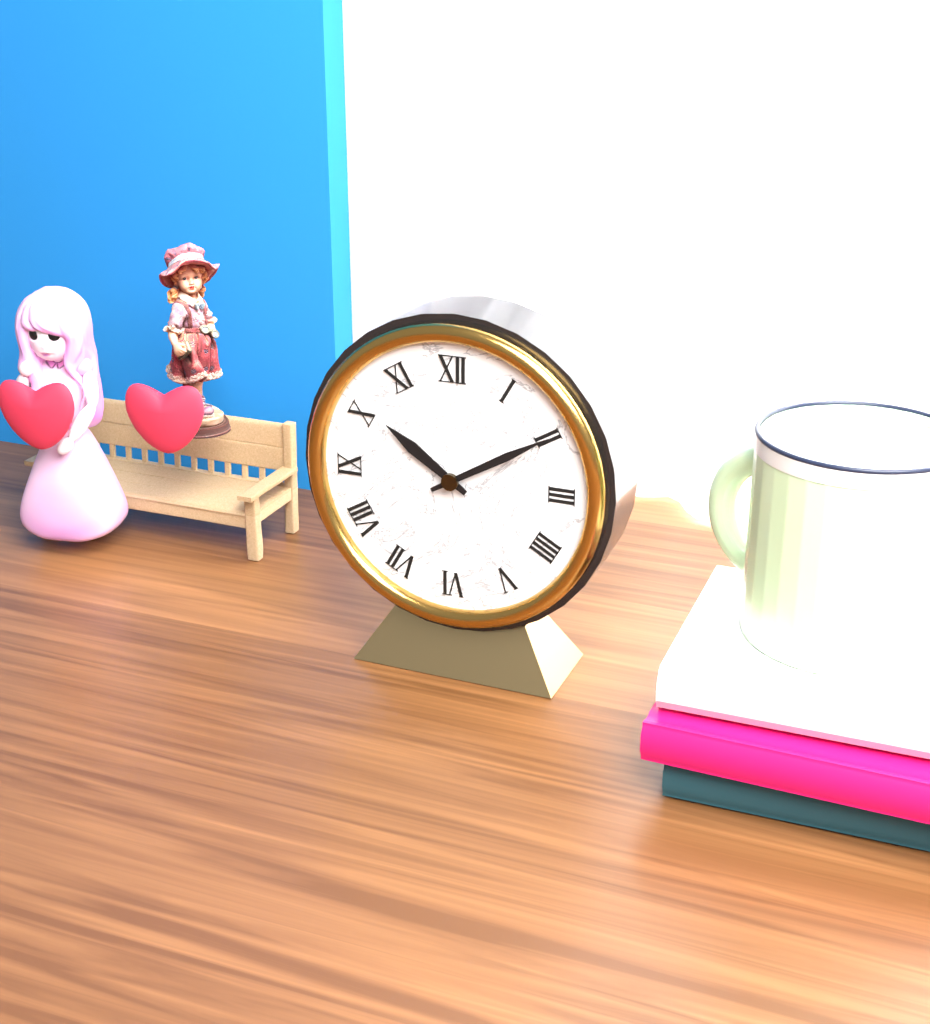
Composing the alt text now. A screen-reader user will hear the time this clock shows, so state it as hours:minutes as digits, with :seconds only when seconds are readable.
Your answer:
10:10
